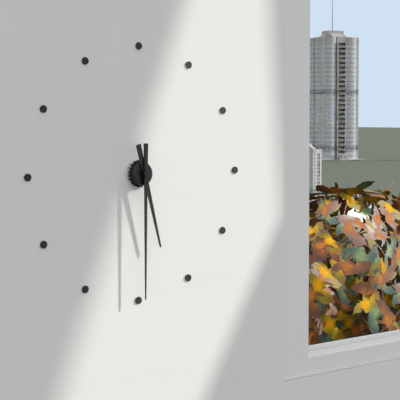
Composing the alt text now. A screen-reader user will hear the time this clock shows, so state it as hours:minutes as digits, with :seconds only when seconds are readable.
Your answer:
5:30
